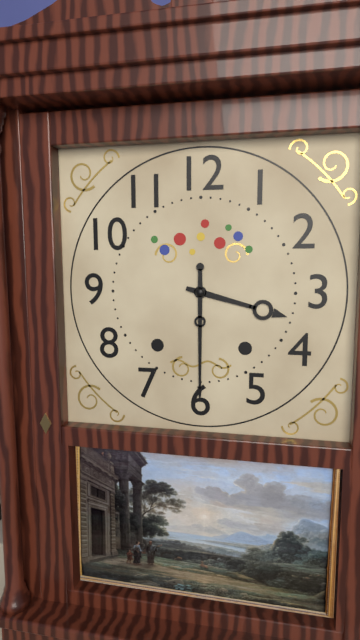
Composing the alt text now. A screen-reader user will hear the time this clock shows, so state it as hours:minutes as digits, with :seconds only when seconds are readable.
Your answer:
3:30
